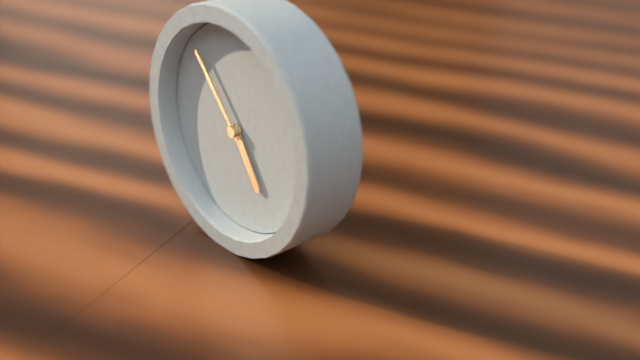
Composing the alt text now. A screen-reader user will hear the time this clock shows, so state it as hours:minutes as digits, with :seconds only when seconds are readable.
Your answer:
4:53
